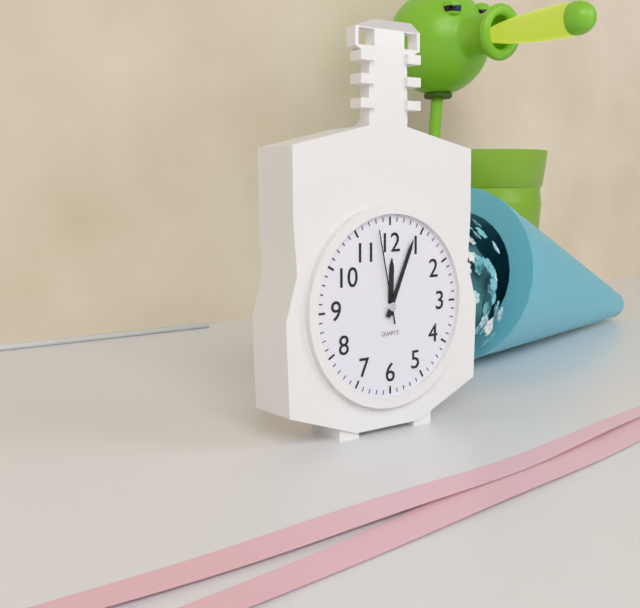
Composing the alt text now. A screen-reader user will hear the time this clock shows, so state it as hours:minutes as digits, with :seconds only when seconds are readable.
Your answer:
12:04:58
